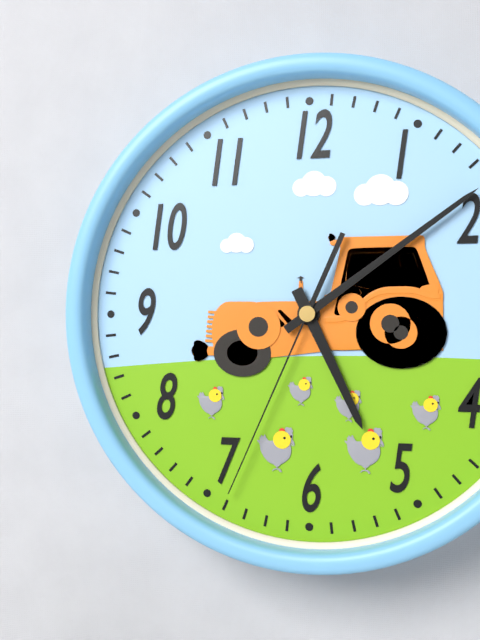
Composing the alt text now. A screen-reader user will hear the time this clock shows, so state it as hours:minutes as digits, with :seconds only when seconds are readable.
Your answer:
5:09:34
